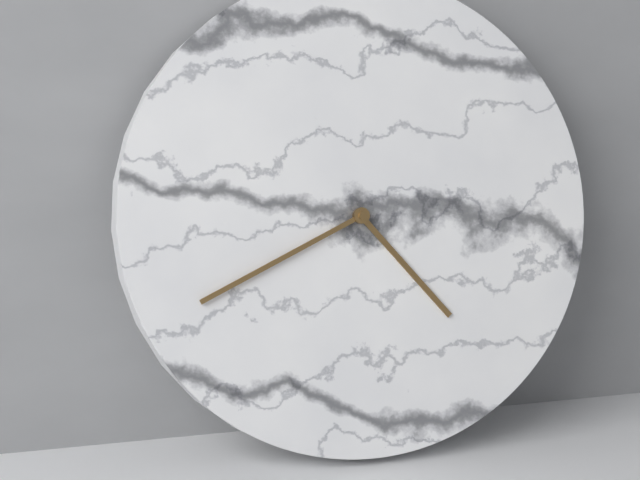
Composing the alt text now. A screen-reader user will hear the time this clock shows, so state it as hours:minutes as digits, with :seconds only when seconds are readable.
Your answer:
4:41
